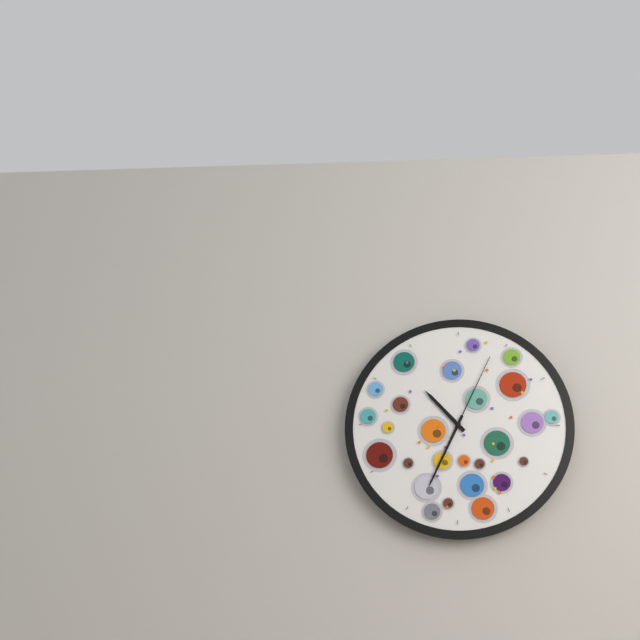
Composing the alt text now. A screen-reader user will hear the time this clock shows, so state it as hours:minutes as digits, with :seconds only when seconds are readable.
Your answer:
10:34:04
